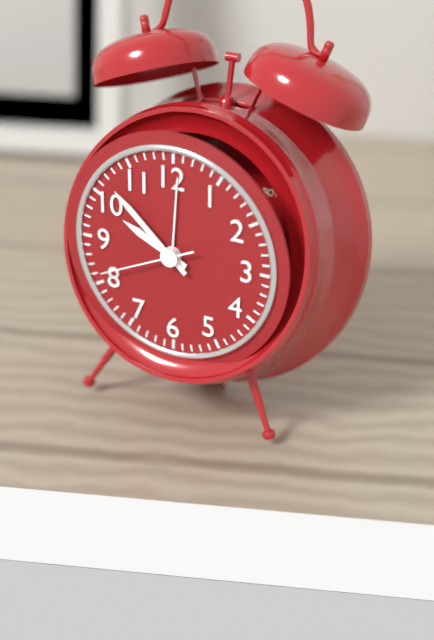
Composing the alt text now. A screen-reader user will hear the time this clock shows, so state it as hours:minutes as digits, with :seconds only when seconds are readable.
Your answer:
9:52:41
